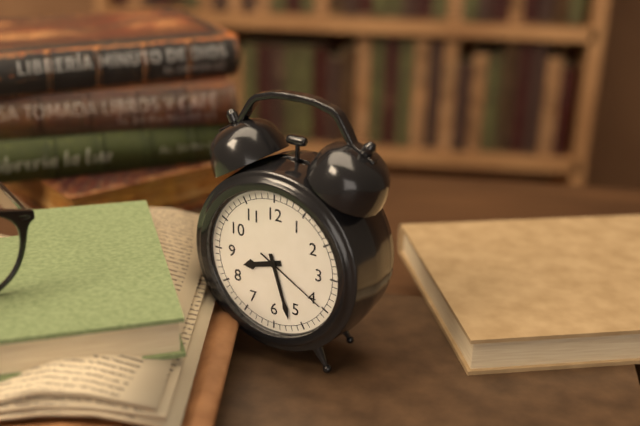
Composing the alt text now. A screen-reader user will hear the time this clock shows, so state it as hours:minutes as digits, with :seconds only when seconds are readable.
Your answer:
8:27:20
